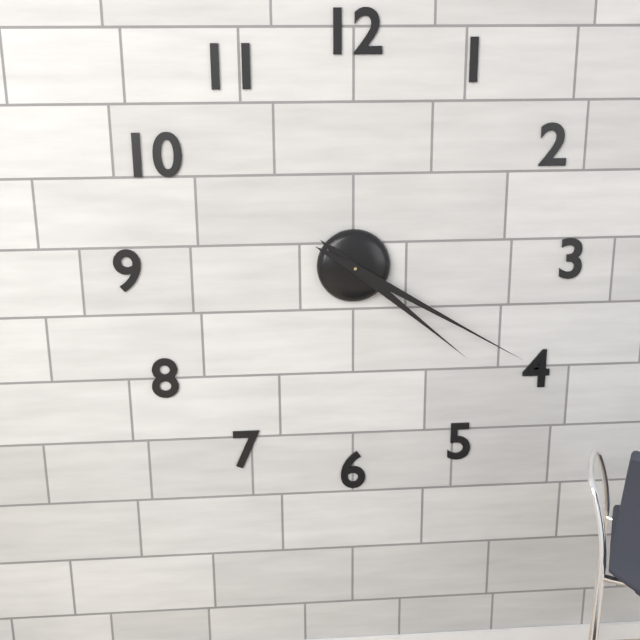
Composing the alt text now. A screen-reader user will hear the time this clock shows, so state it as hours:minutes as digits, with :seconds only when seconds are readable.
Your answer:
4:20
